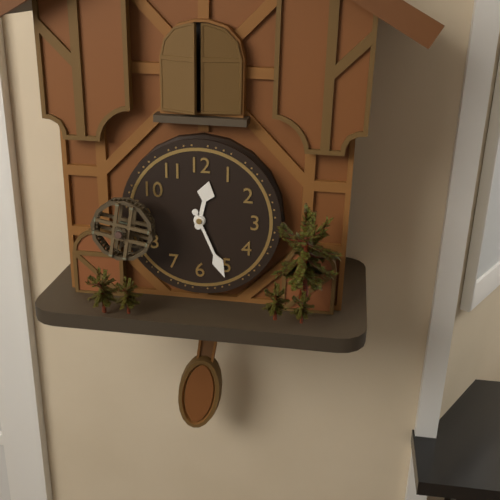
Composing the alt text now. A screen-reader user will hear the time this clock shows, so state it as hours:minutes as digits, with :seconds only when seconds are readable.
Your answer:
12:26
